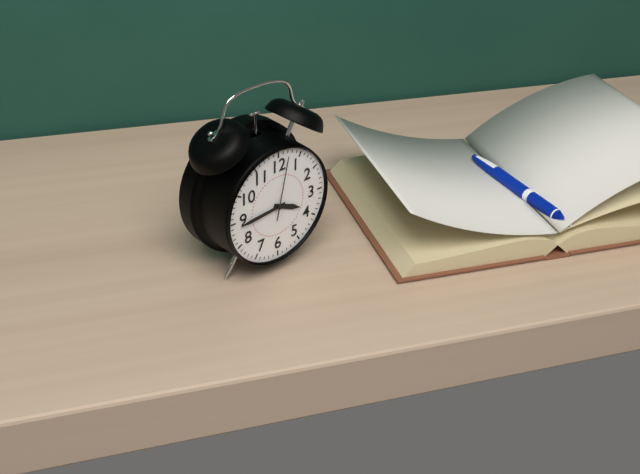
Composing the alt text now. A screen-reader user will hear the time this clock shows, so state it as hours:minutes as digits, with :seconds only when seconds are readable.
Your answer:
3:44:02
